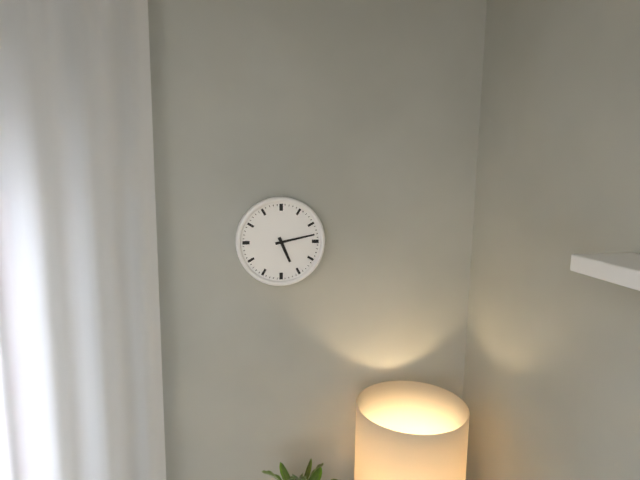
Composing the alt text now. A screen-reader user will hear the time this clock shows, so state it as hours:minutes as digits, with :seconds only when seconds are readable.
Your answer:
5:13
